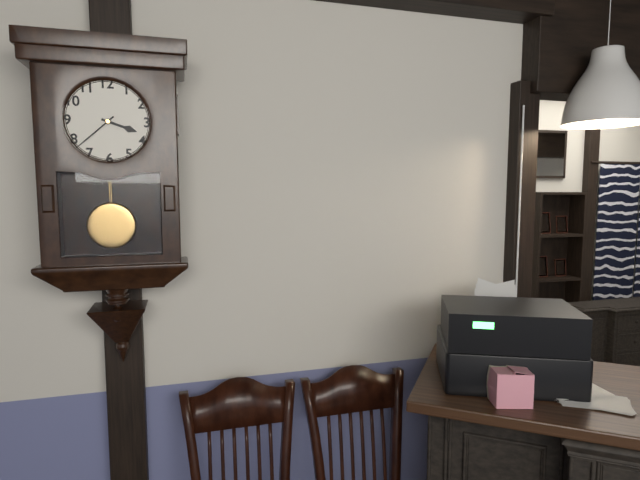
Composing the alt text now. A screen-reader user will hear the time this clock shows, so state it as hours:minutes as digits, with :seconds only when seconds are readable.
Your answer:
3:38
